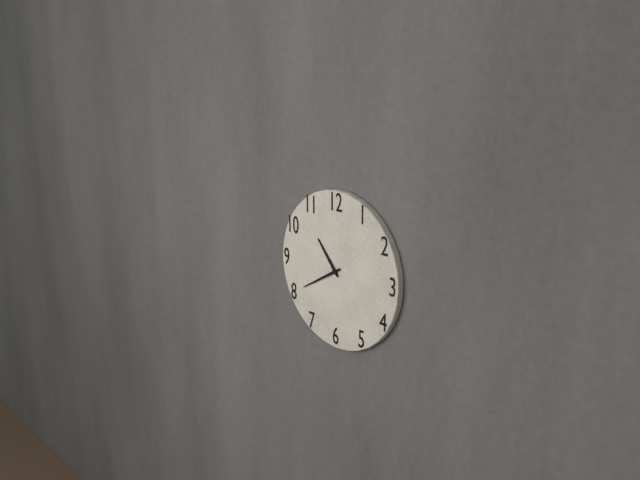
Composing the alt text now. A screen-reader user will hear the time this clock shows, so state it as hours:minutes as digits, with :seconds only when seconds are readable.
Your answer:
10:40
